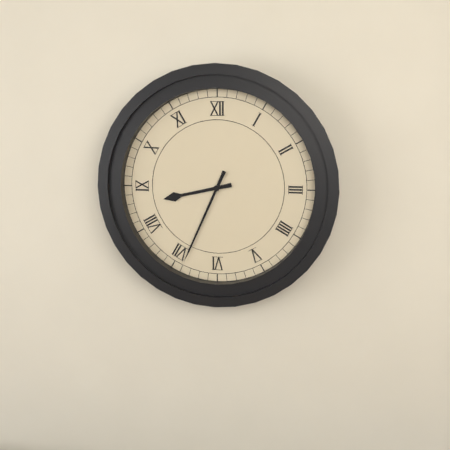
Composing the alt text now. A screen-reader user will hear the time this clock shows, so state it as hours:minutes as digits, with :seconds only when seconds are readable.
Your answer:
8:34
